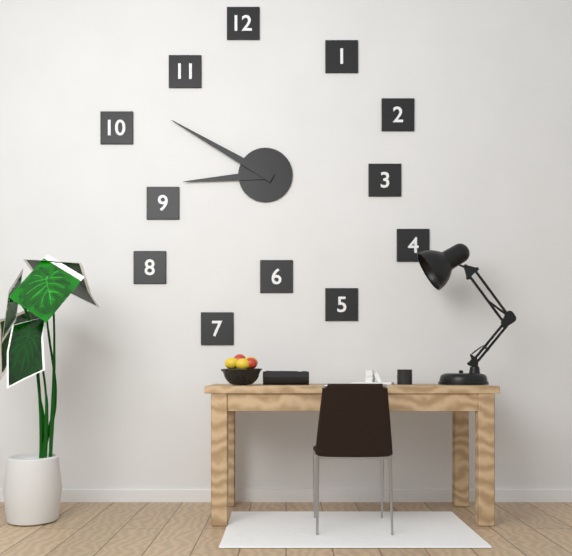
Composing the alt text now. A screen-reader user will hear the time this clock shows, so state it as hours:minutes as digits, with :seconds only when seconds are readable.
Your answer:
8:50
